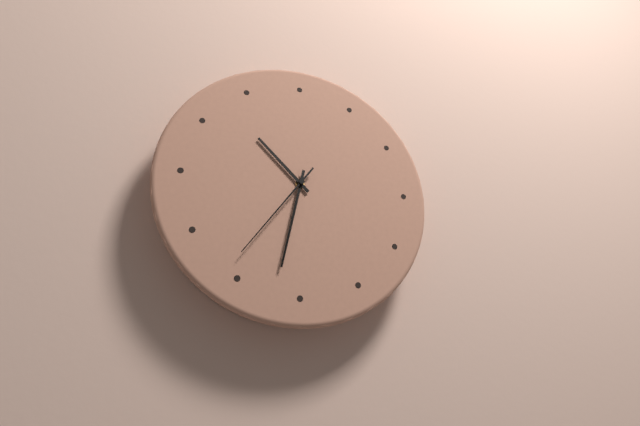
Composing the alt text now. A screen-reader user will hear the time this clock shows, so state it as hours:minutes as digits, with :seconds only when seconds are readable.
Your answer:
10:32:36
